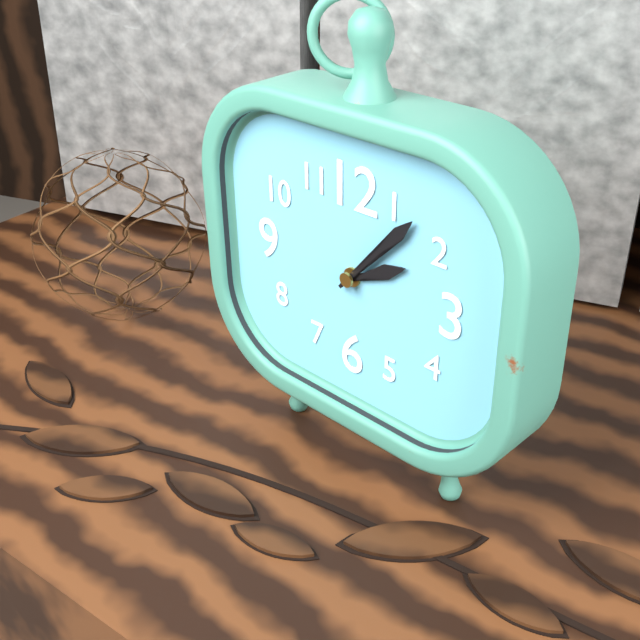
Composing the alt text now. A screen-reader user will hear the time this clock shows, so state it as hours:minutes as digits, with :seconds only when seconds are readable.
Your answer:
2:07
